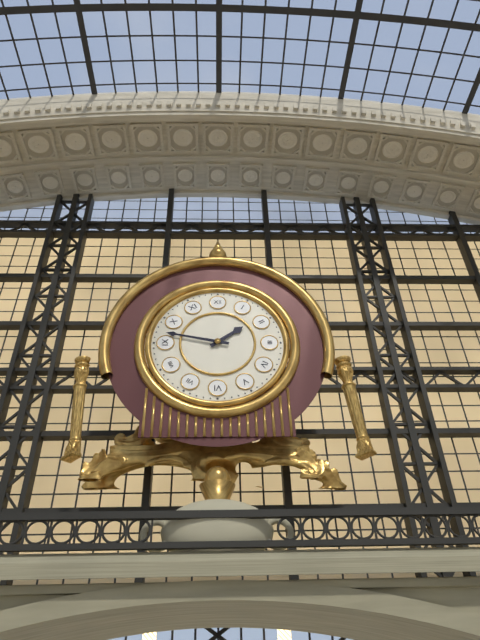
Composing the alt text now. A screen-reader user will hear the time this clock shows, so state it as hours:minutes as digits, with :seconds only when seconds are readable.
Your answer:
1:47
